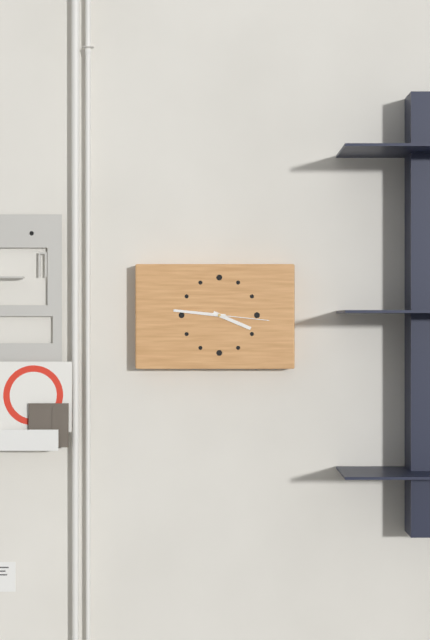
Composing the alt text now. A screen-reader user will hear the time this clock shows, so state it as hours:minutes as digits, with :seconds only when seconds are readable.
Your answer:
3:46:16
